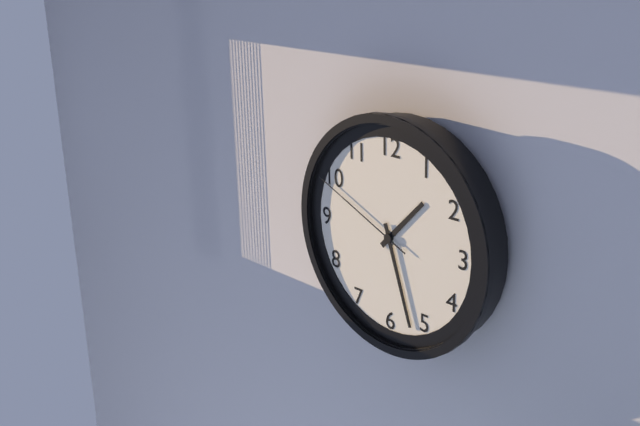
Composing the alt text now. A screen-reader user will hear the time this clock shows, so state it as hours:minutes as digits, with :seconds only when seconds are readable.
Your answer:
1:27:49
